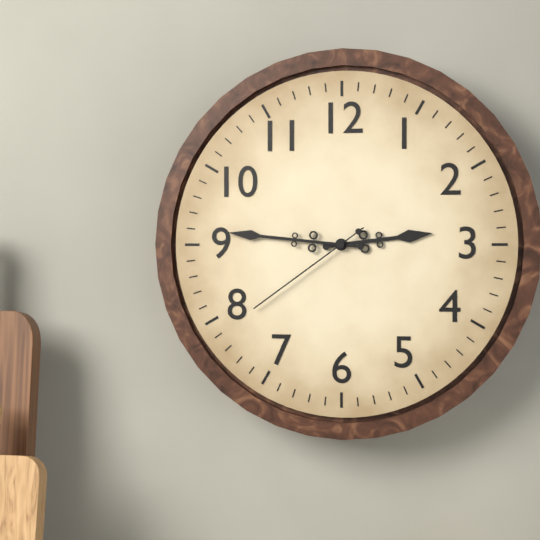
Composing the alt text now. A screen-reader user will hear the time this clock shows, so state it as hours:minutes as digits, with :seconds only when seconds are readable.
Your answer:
2:46:39
